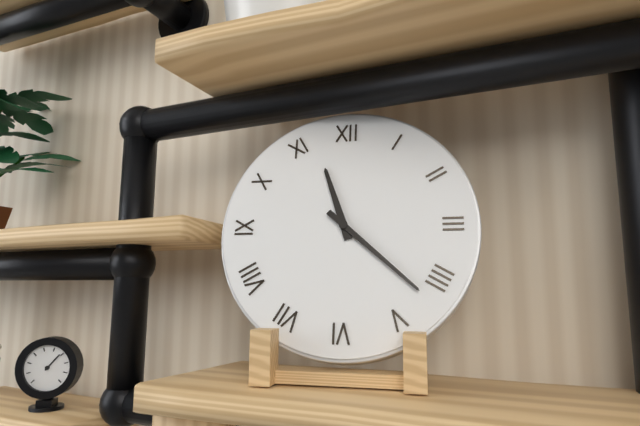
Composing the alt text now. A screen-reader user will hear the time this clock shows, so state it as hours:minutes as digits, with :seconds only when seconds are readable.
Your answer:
11:22
